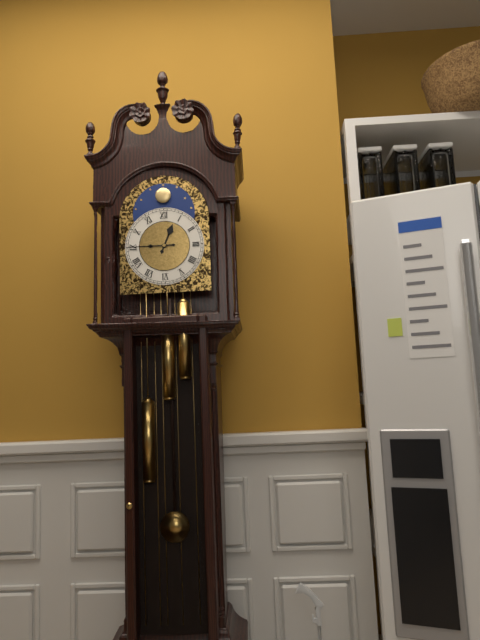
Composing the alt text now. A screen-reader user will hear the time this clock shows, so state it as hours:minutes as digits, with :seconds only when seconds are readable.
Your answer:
12:45
